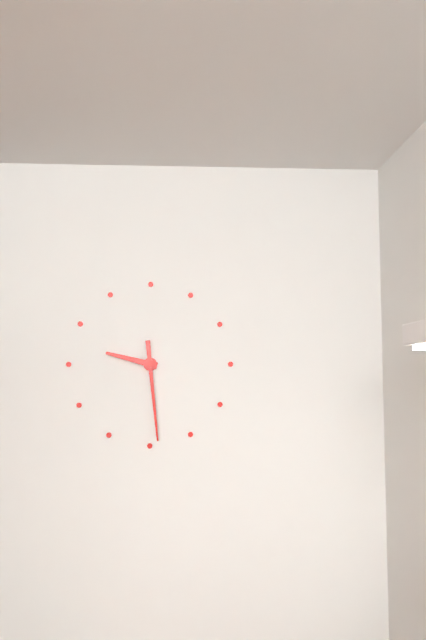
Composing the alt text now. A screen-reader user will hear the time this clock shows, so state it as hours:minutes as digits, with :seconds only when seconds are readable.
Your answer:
9:29
